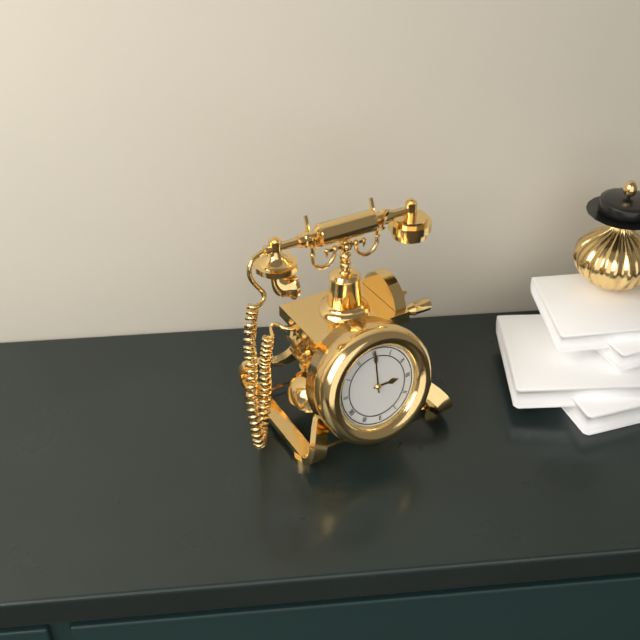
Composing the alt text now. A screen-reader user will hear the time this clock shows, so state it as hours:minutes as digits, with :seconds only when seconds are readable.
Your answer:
3:00
